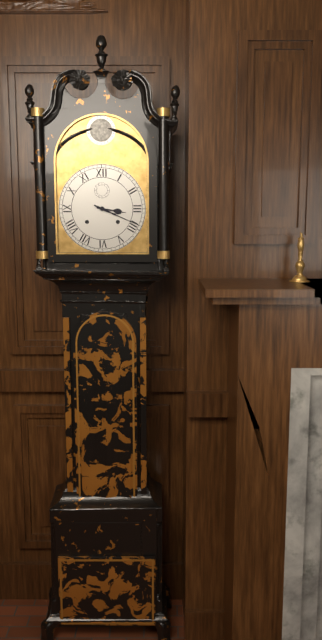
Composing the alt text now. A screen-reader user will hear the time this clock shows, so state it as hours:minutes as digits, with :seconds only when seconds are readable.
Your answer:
3:19
